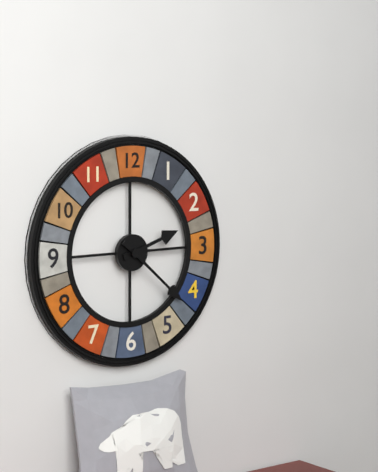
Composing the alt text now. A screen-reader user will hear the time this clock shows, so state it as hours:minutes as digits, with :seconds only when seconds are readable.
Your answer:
2:22
